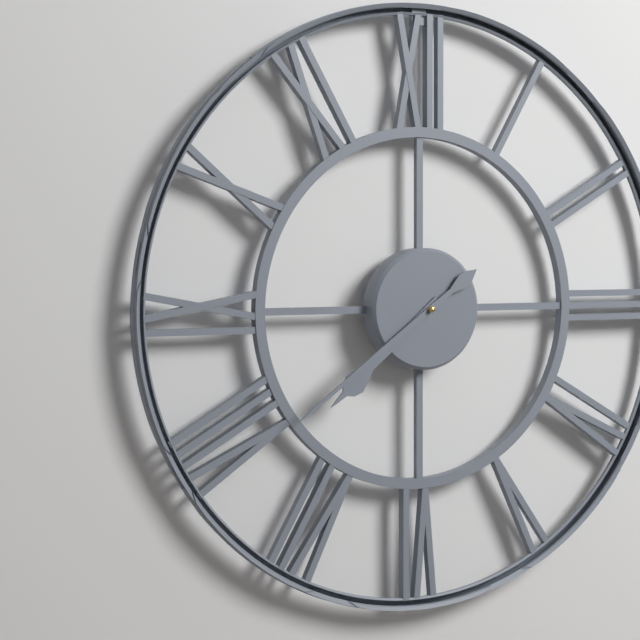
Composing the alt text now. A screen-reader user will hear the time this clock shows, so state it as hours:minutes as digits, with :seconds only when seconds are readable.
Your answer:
7:39
